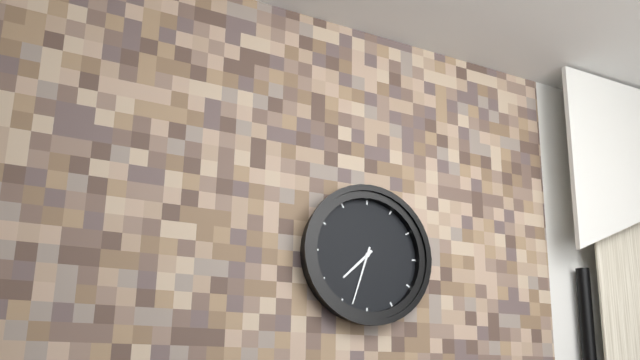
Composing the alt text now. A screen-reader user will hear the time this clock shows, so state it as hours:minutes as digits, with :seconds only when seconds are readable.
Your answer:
7:33
